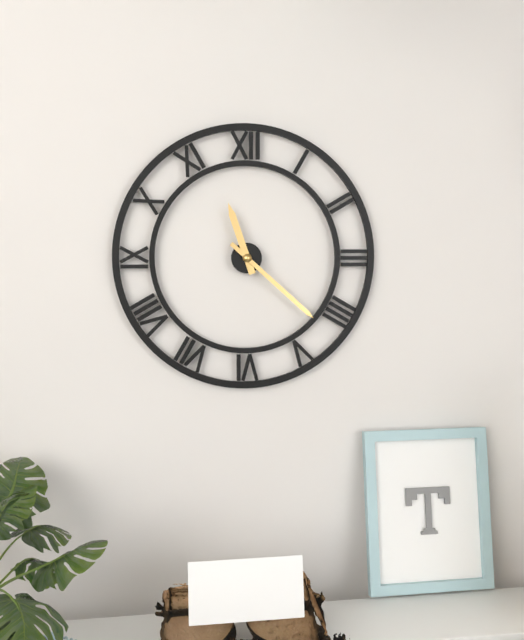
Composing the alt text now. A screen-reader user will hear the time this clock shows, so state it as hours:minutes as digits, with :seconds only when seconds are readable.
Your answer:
11:22
